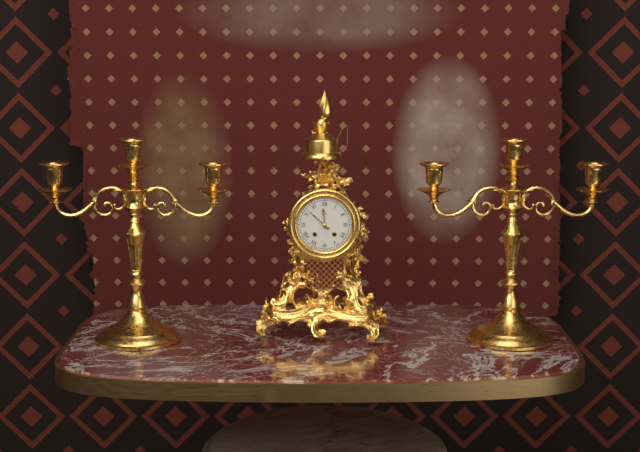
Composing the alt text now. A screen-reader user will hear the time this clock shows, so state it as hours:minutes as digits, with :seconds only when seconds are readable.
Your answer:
11:52
